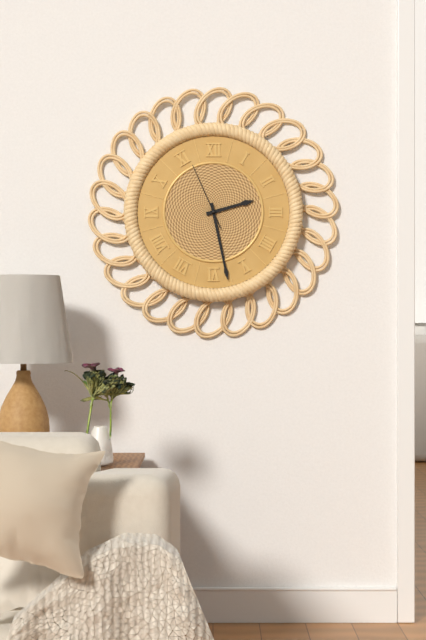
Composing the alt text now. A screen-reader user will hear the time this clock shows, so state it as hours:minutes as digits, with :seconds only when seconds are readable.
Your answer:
2:28:56
